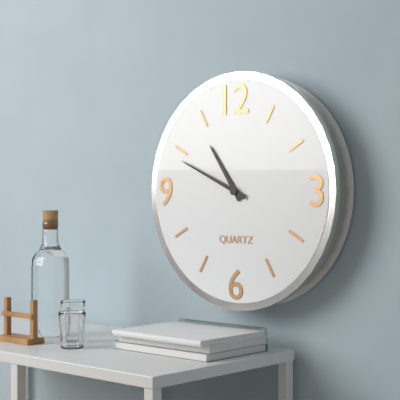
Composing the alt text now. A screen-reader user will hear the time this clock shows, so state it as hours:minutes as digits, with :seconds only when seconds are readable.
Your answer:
10:49
